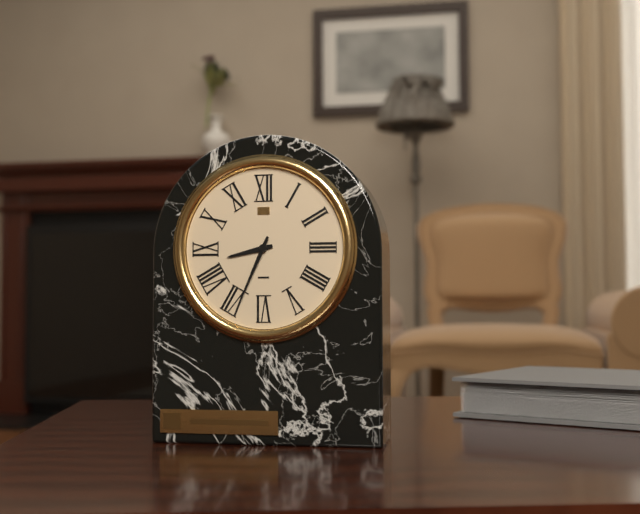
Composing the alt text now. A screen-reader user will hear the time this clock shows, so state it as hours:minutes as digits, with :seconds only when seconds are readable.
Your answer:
8:34
